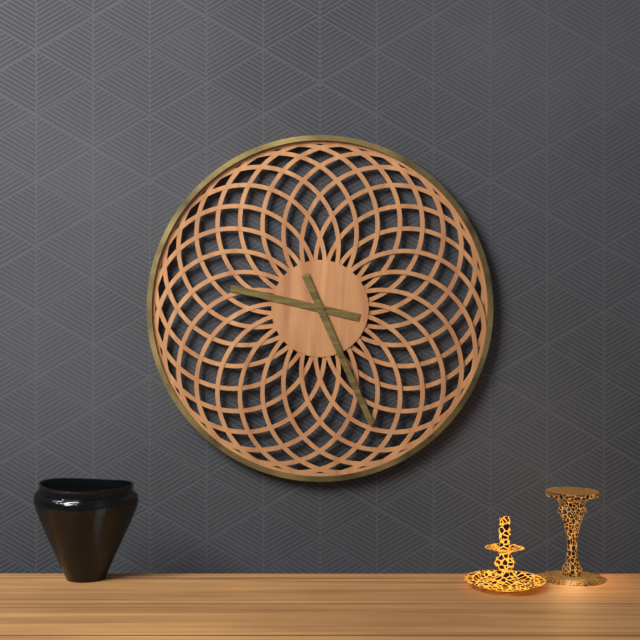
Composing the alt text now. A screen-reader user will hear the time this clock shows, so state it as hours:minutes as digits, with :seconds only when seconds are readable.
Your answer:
9:26
